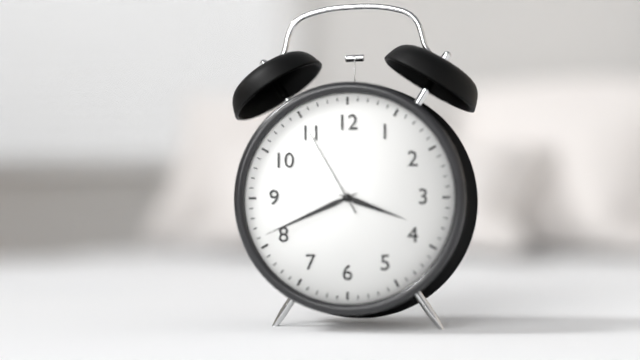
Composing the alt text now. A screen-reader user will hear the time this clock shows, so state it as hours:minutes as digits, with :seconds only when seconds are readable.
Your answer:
3:41:55
